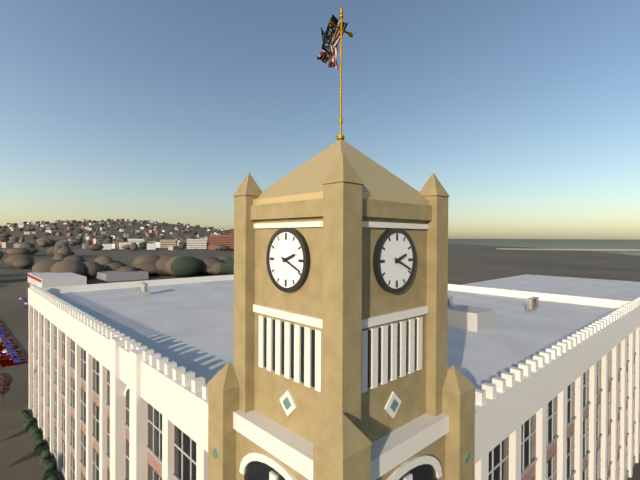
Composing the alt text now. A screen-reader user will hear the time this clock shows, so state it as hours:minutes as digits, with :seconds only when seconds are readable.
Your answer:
2:19
